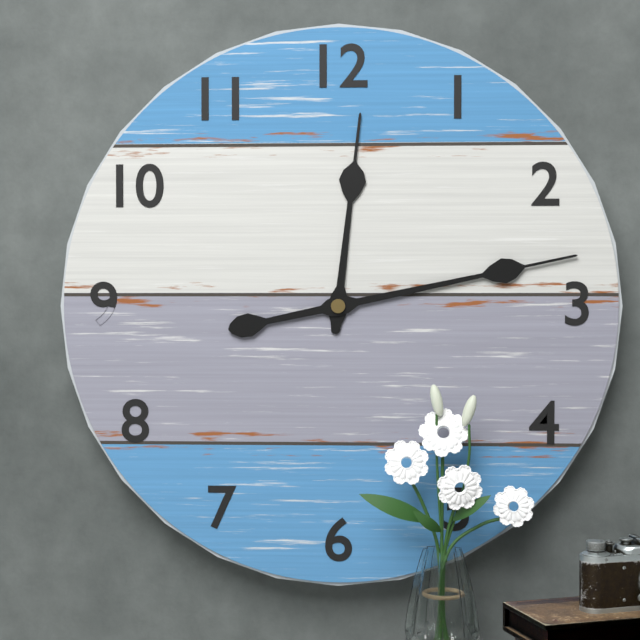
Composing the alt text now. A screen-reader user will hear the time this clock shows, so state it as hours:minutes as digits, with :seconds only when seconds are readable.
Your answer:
12:13
